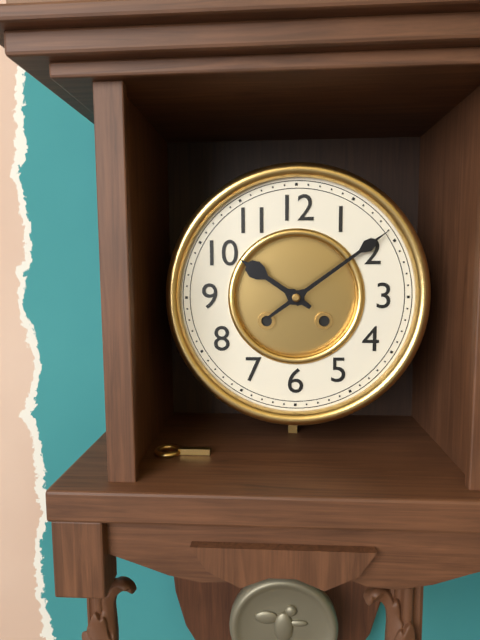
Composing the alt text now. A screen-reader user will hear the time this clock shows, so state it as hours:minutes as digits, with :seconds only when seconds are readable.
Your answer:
10:09
